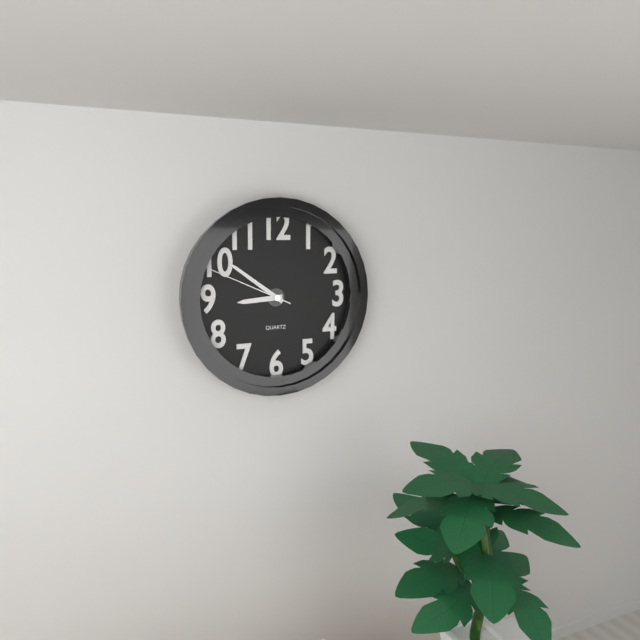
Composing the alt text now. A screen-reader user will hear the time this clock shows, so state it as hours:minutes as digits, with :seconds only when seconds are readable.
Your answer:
8:51:49
